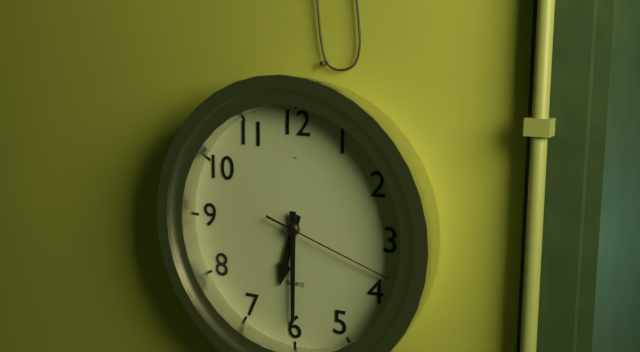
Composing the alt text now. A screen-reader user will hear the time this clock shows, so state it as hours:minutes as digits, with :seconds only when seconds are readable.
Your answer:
6:30:18
